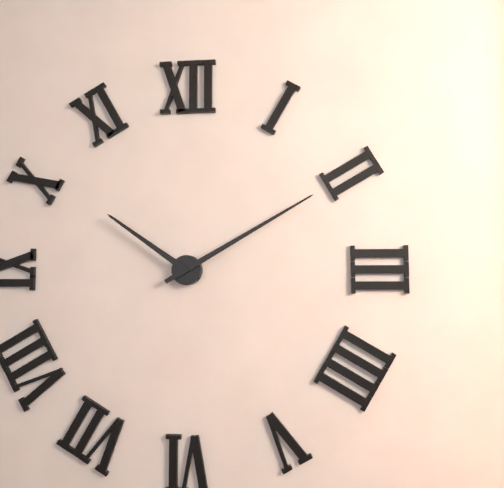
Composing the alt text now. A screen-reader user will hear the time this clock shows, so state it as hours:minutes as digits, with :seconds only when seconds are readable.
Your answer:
10:10
